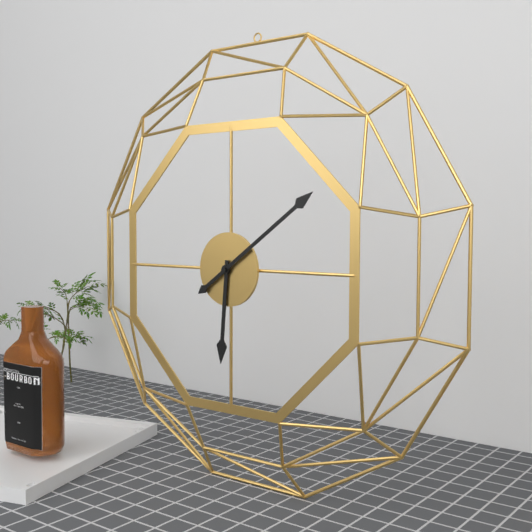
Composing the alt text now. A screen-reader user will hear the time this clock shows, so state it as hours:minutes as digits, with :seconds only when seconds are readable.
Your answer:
6:09
